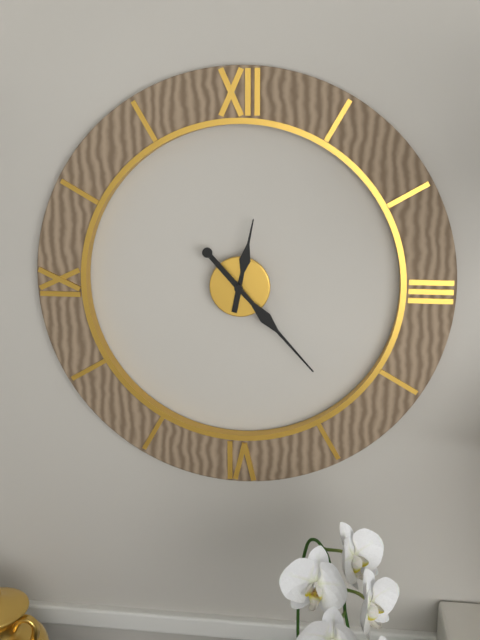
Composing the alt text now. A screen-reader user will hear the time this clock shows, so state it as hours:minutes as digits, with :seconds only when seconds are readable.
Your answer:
12:23
